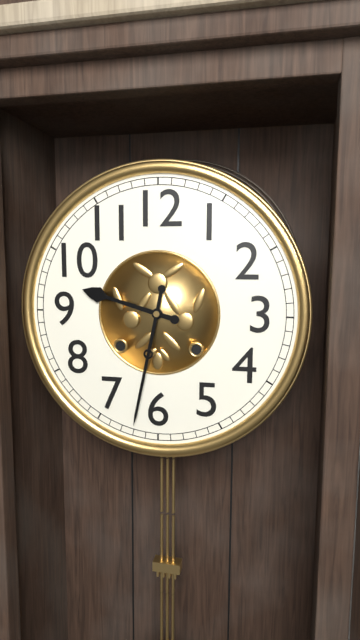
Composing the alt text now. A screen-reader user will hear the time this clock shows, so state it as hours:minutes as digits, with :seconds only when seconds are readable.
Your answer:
9:32
